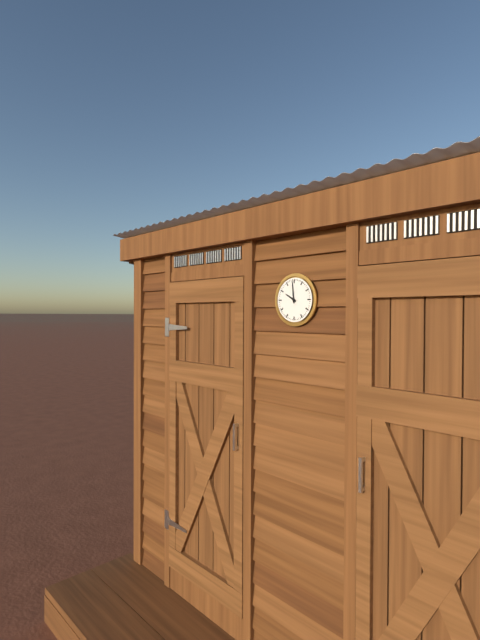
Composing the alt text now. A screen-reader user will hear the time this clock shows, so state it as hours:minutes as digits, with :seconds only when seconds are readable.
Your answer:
9:59
